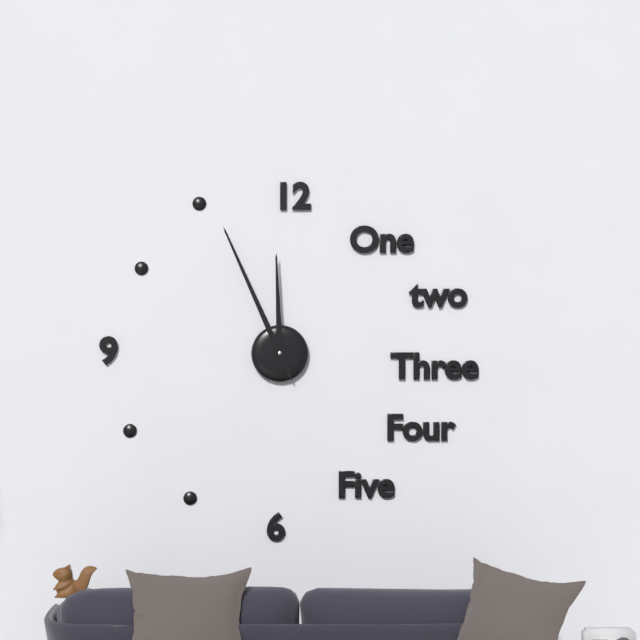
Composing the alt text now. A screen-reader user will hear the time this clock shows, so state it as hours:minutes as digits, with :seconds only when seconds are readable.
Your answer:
11:56
